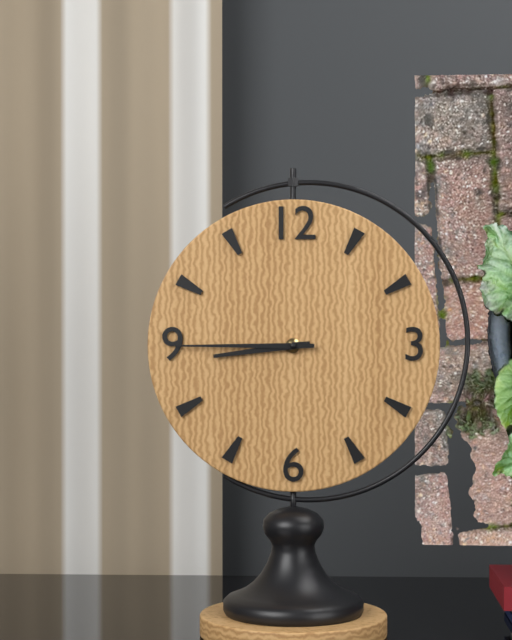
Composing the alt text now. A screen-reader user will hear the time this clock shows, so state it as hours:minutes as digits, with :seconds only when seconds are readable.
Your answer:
8:45
